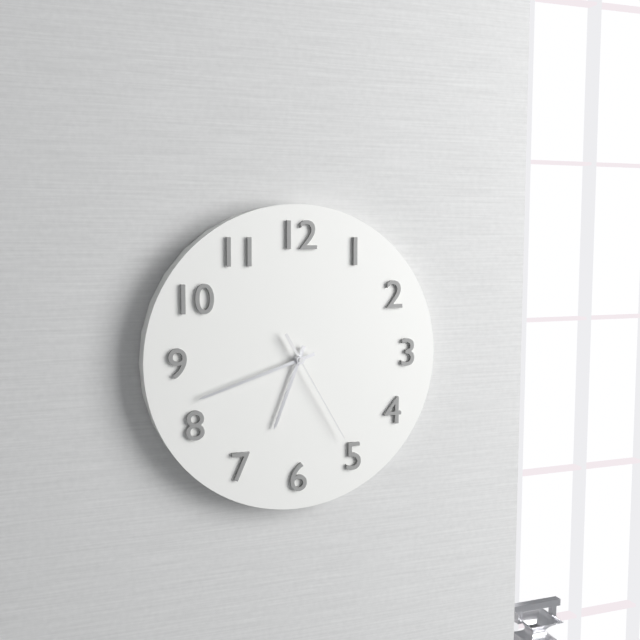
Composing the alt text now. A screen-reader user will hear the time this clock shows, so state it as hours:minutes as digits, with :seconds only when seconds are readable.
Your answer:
6:42:25
